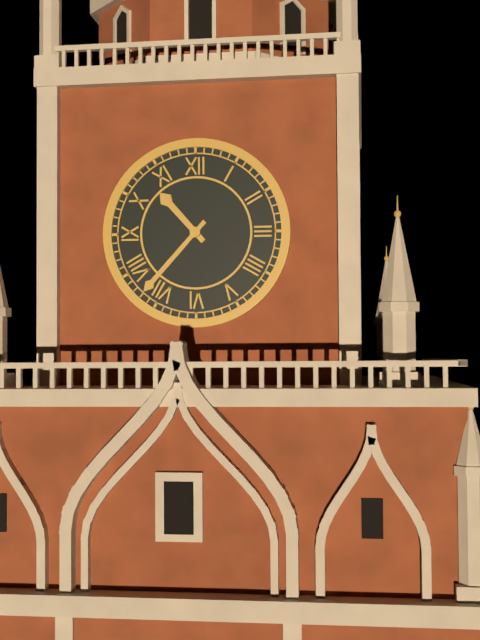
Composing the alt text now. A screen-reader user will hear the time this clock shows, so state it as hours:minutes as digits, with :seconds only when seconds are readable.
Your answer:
10:37
